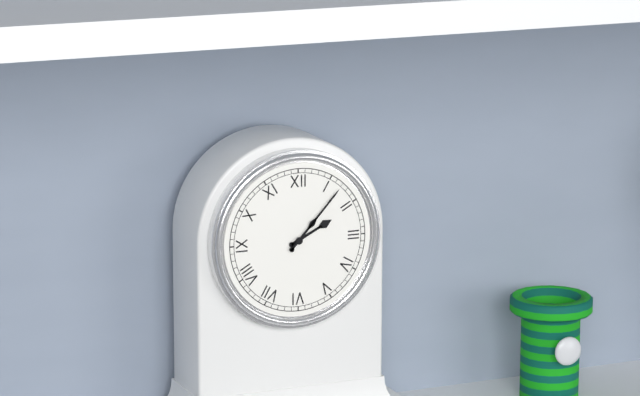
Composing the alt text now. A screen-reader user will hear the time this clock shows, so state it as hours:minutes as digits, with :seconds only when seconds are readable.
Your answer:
2:07
